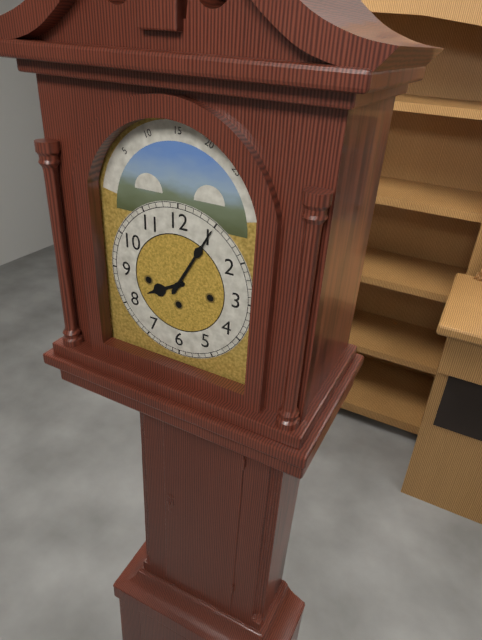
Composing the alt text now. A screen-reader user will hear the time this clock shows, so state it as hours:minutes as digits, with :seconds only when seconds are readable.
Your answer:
8:05
